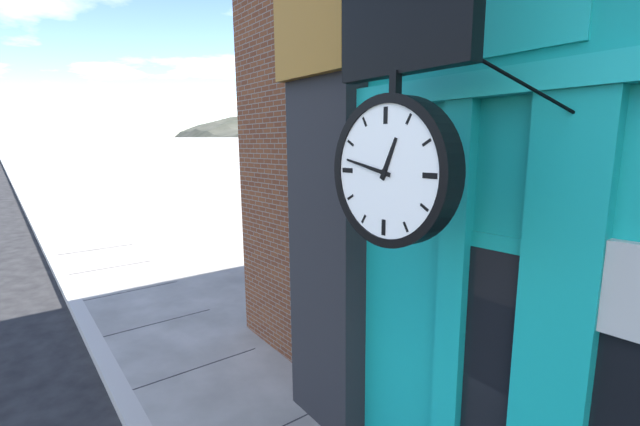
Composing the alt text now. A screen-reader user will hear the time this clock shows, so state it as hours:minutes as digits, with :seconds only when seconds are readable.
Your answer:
12:47
